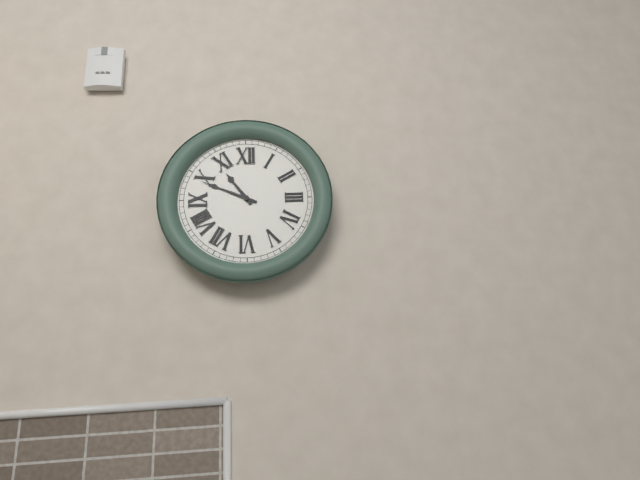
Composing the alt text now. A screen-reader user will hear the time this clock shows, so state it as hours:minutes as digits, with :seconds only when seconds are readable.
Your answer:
10:49
